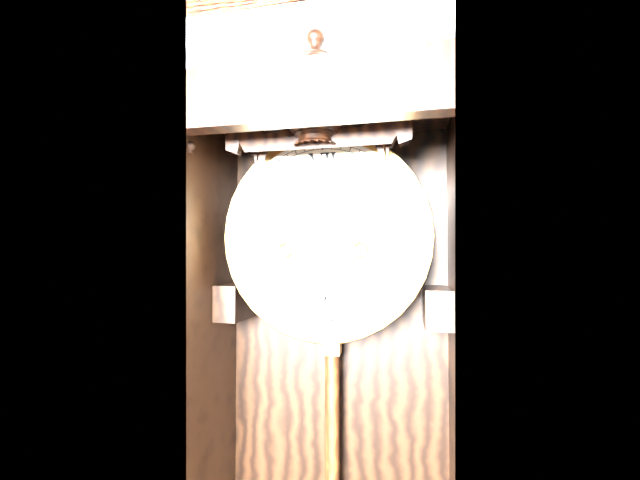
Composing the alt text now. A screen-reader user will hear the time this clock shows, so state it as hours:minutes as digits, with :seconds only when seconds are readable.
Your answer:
7:30
